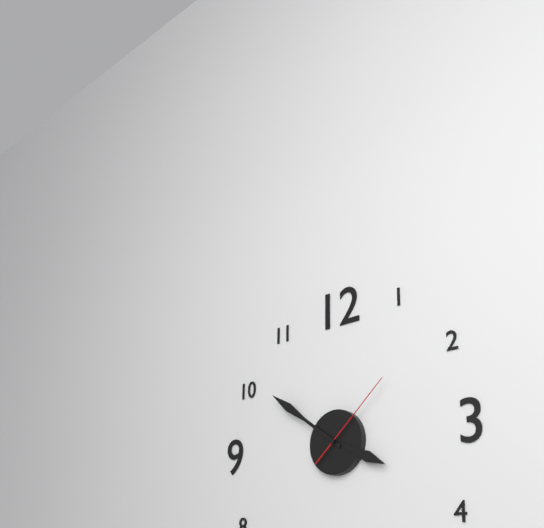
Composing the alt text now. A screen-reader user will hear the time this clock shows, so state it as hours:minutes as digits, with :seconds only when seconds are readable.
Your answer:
3:51:08
